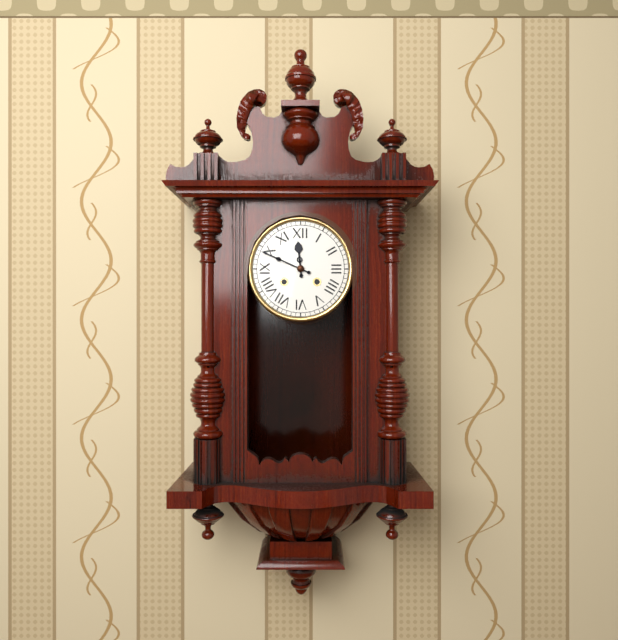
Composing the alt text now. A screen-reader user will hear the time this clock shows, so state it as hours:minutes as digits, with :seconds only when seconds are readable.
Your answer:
11:49
